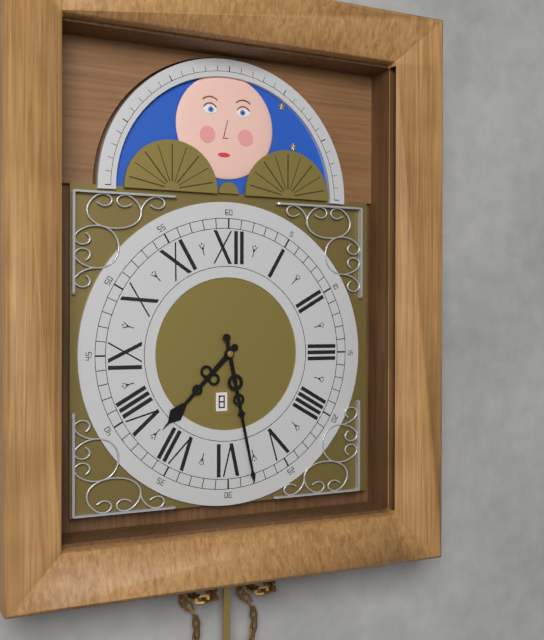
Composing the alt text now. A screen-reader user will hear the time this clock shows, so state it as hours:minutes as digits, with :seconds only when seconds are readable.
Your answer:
7:28
